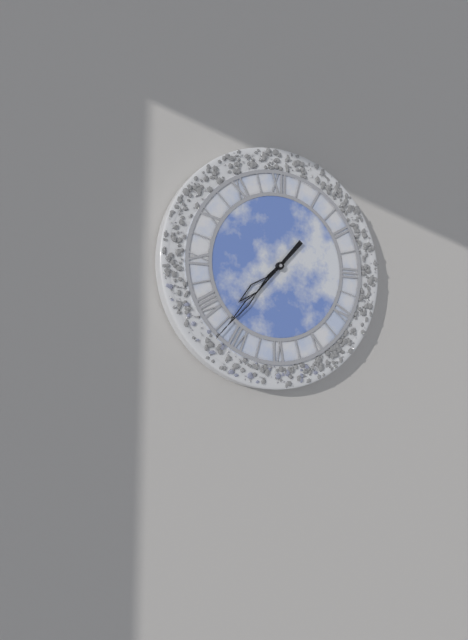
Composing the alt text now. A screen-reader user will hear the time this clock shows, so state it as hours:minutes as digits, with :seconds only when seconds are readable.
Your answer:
7:37
